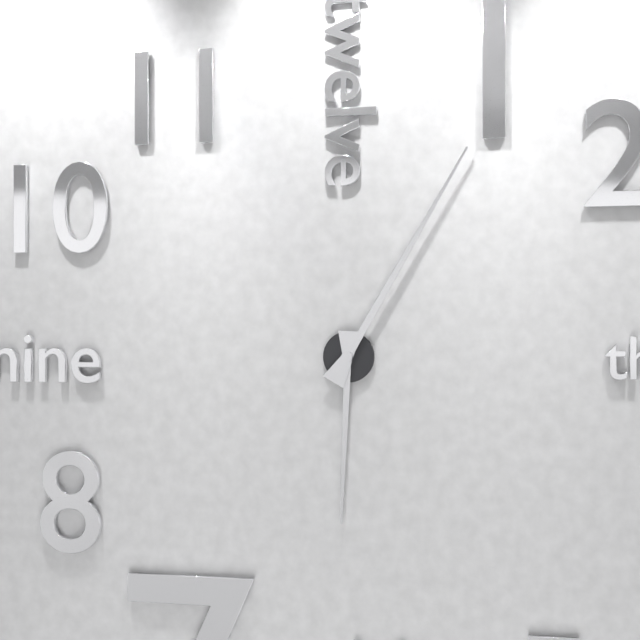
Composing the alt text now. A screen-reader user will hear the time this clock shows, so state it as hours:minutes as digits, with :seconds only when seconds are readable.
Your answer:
6:05
